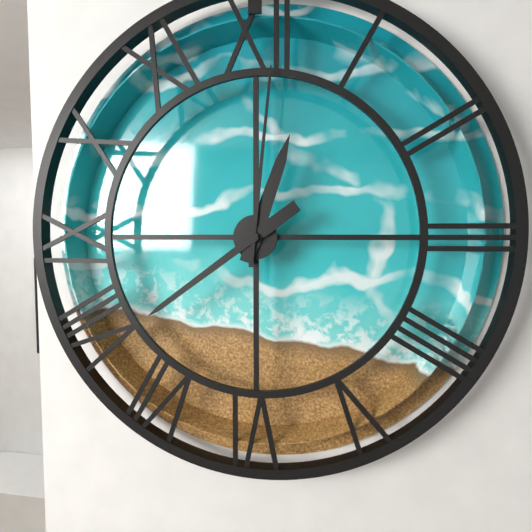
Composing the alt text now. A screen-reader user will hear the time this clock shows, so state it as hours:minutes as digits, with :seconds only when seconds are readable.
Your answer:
12:39:01
